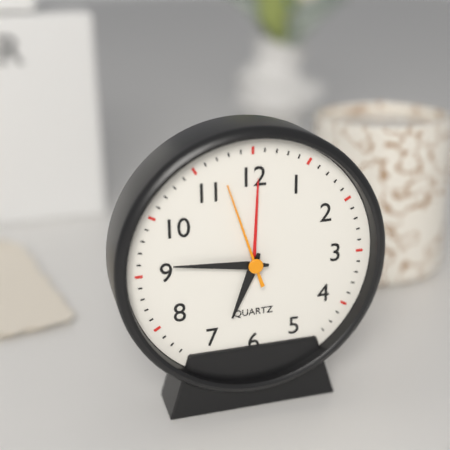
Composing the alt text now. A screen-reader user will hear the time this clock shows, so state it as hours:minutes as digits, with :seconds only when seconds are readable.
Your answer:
6:46:57
